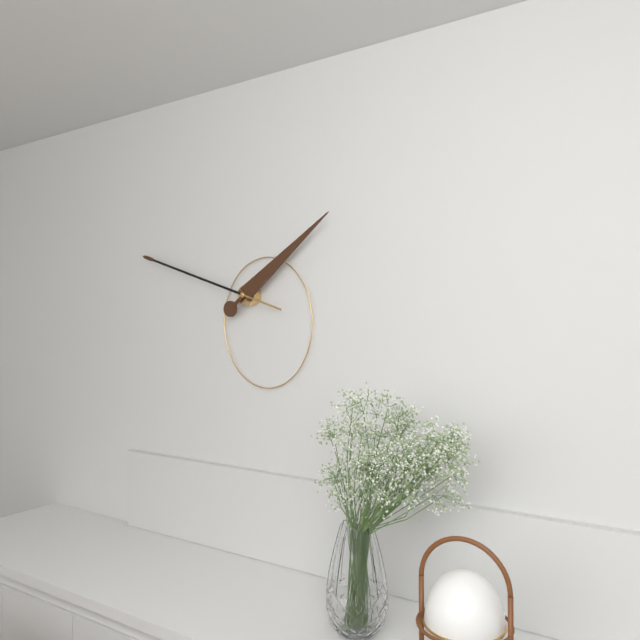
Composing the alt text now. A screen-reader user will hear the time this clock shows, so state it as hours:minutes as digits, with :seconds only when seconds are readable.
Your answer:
1:48
